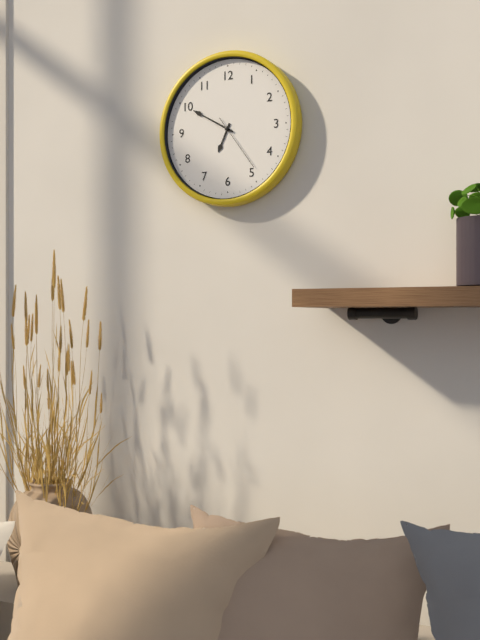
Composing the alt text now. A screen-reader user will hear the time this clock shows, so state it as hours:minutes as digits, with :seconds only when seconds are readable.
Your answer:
6:50:24
